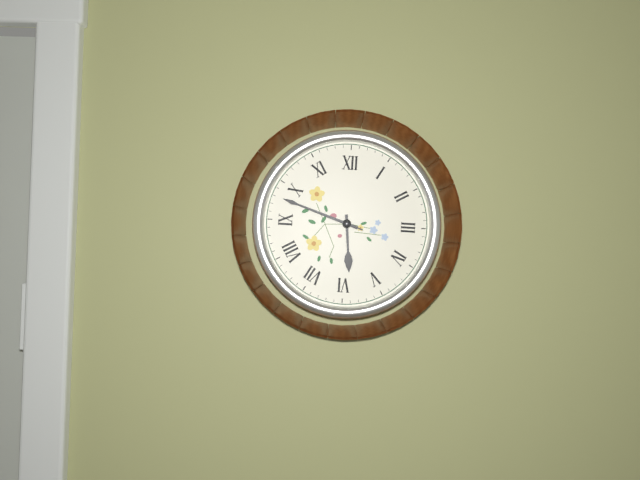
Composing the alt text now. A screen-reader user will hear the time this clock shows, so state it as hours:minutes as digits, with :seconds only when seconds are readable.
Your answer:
5:48:48
